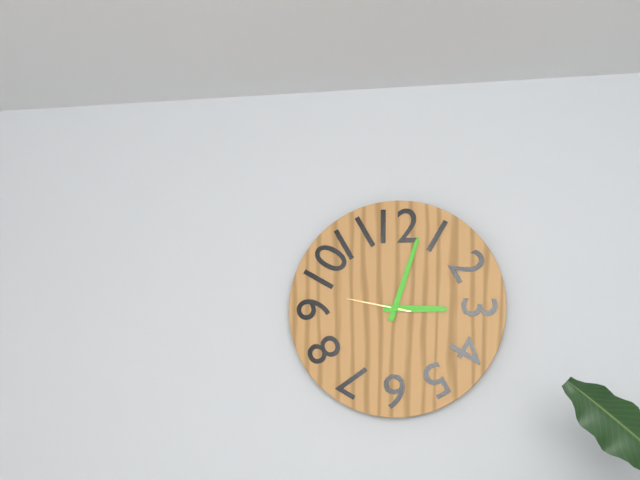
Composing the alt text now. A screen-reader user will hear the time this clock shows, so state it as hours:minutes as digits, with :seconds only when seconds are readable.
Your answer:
3:03:47
